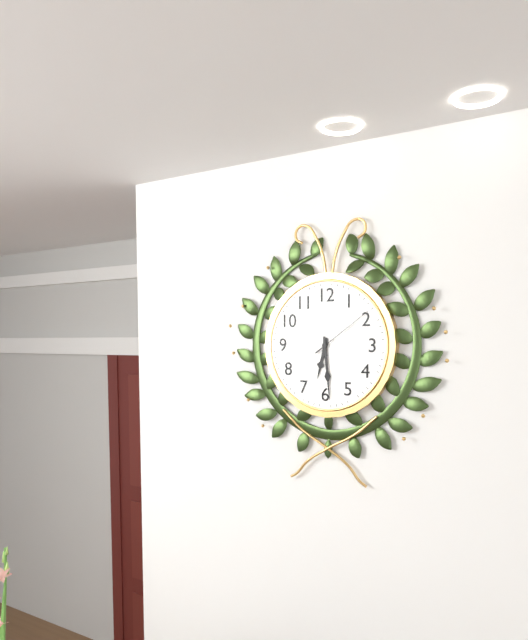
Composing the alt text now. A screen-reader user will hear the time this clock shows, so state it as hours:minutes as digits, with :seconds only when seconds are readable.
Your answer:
6:29:09
